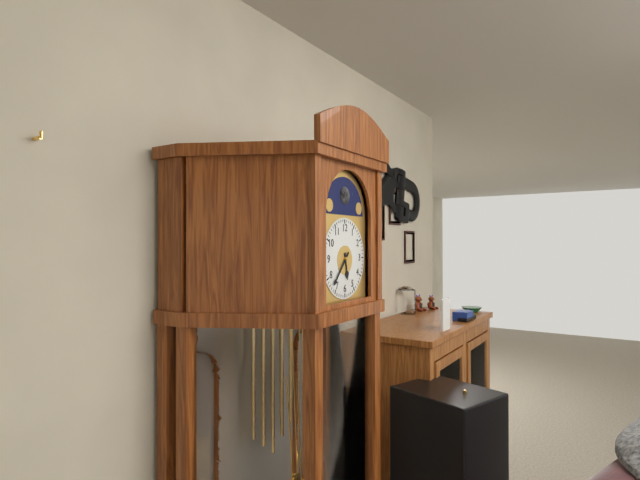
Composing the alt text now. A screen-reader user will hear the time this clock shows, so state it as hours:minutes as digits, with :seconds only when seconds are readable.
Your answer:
5:37
